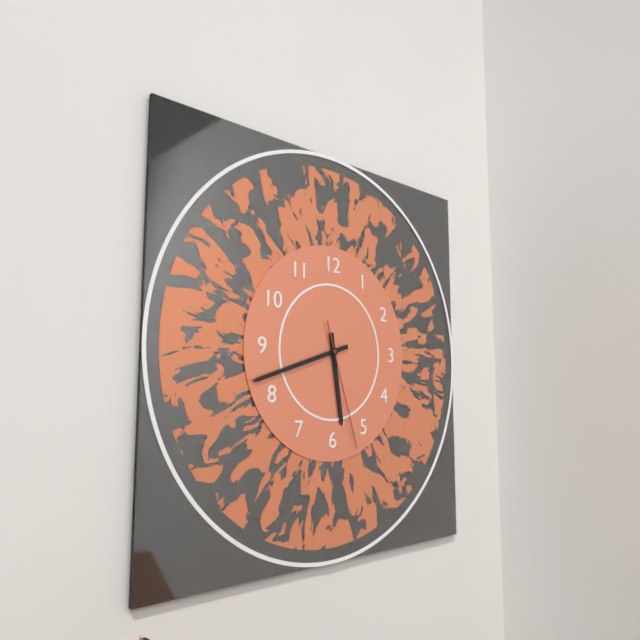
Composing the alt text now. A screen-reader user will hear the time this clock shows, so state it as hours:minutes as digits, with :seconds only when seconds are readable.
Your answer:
5:42:27
